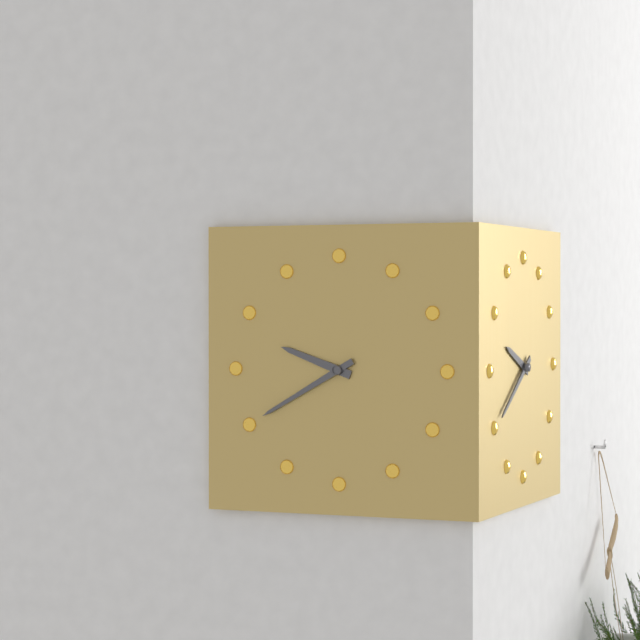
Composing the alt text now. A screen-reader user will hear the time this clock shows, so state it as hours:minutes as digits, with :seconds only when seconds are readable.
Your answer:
9:40
